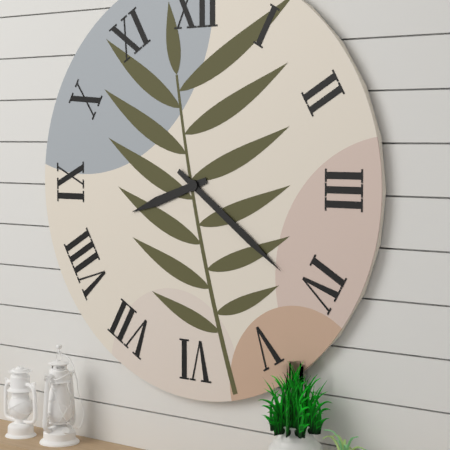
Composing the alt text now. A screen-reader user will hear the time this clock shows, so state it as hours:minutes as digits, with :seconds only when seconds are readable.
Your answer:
8:21
